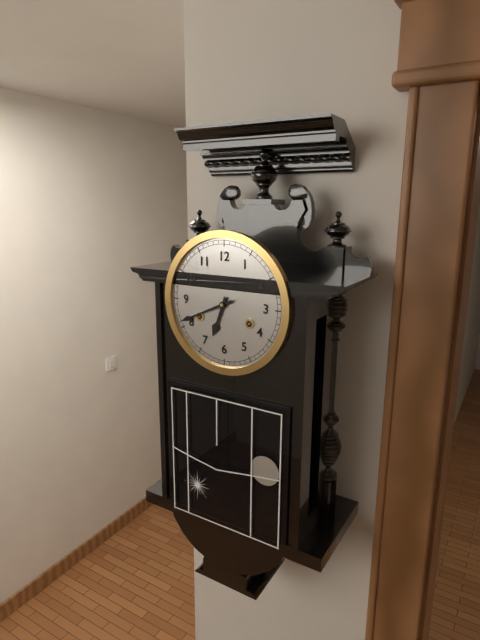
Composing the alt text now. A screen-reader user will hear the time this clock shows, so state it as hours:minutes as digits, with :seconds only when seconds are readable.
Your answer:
6:41
